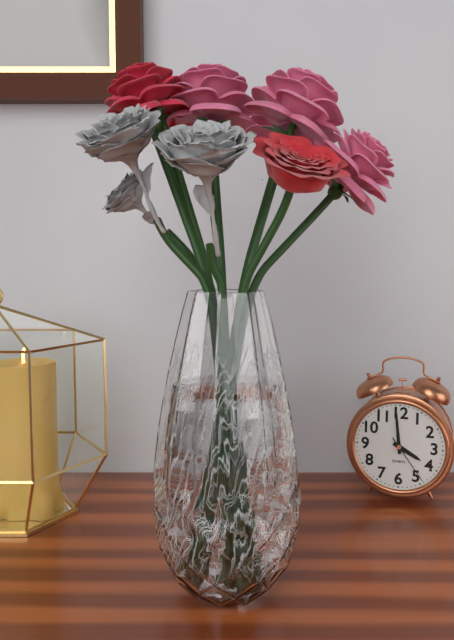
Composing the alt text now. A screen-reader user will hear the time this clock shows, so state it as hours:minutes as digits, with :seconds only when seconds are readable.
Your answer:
3:59:24
